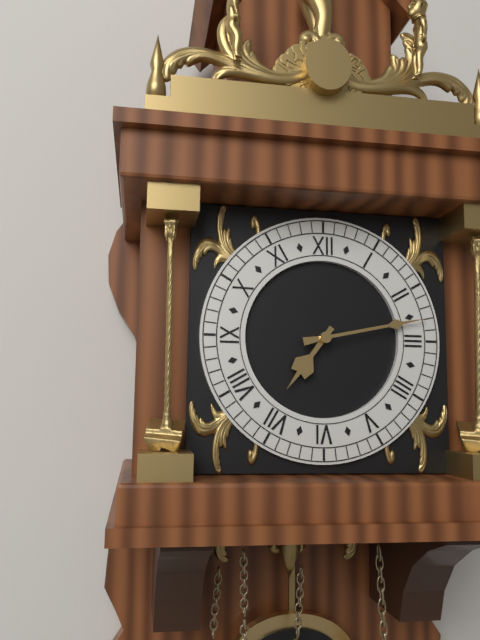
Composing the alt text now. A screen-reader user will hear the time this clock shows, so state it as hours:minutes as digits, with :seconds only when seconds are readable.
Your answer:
7:13
